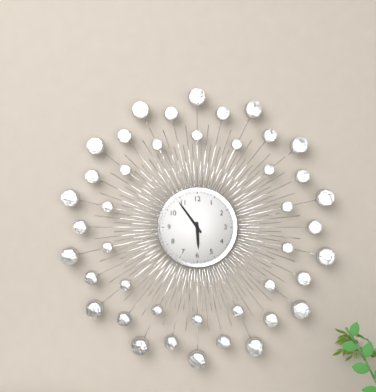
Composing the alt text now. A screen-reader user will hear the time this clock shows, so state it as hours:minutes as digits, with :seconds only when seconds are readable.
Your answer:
5:54
